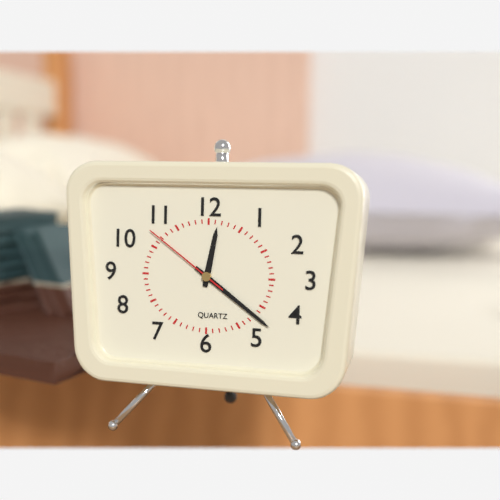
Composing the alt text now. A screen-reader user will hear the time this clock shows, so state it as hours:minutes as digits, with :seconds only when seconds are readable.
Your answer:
12:21:51
